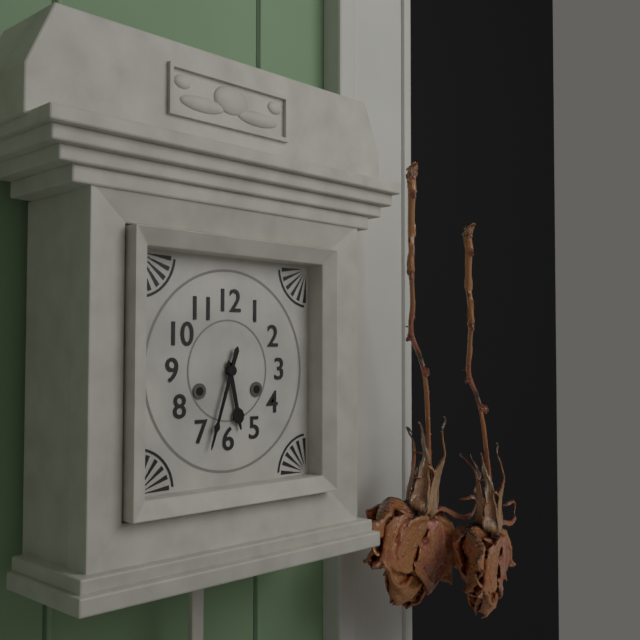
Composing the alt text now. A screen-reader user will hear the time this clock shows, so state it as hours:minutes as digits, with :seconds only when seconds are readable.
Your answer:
5:33
